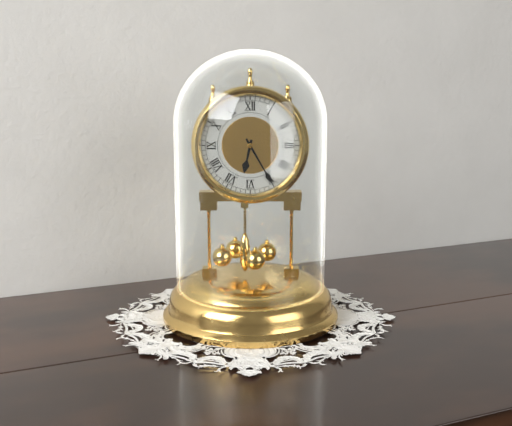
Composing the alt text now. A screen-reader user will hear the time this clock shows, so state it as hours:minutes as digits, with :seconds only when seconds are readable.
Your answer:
6:25
